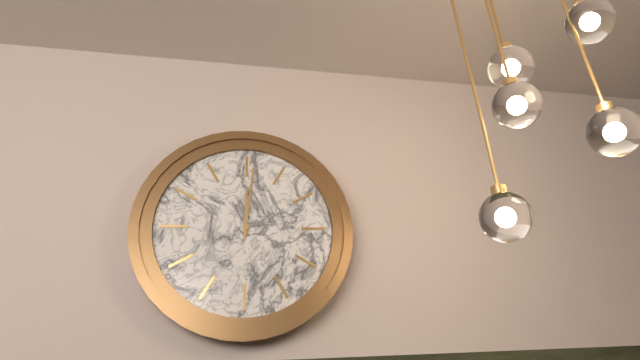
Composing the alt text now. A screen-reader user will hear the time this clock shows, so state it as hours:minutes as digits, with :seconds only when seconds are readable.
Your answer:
12:01
